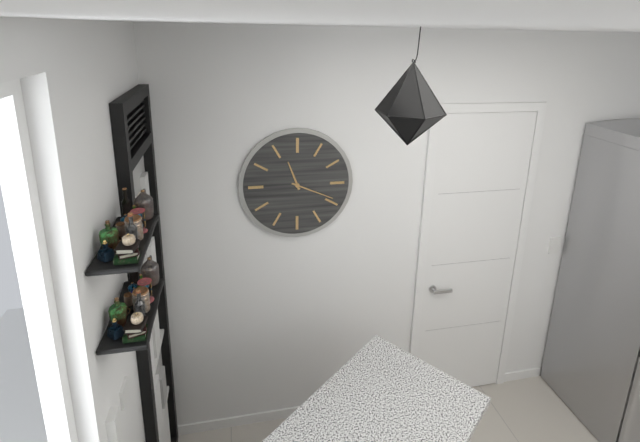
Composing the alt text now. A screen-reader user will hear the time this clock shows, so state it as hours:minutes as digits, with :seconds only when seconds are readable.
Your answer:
11:19
